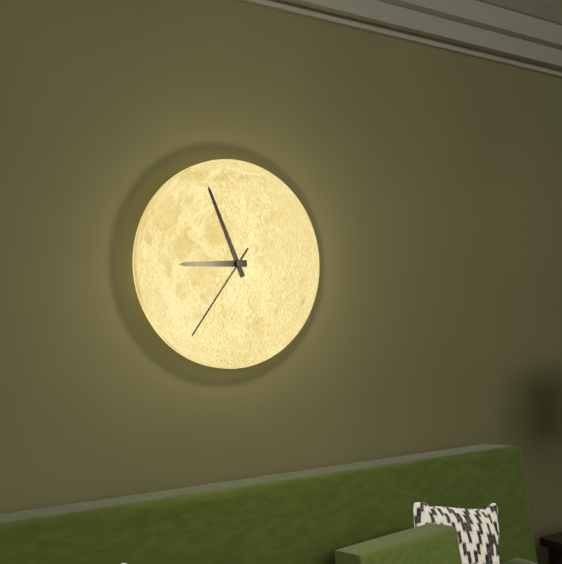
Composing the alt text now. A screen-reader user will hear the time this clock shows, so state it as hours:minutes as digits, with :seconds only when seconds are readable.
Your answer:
8:56:36
